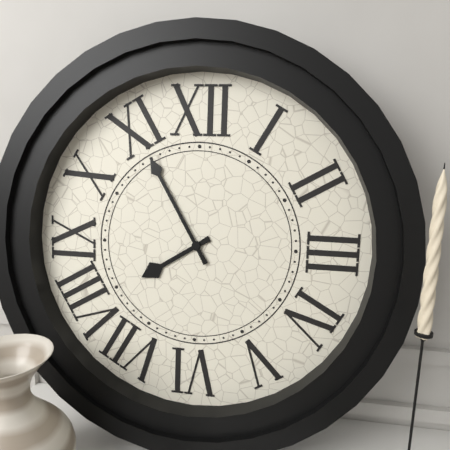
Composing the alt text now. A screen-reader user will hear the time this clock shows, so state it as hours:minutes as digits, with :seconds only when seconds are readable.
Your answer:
7:55
